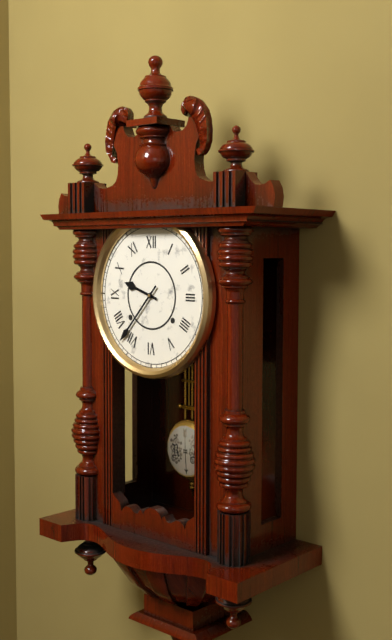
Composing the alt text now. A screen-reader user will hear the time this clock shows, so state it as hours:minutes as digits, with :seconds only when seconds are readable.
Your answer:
9:37
